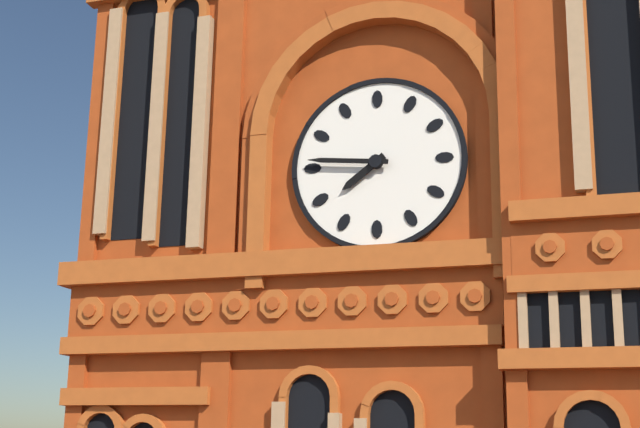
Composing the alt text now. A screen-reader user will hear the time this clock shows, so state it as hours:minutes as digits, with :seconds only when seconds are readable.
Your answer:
7:46
